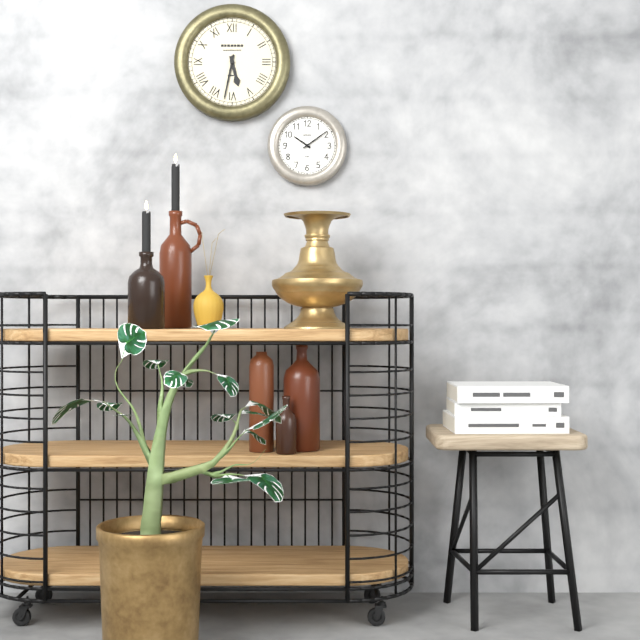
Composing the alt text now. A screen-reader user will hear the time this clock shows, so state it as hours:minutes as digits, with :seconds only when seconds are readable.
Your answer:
5:32
